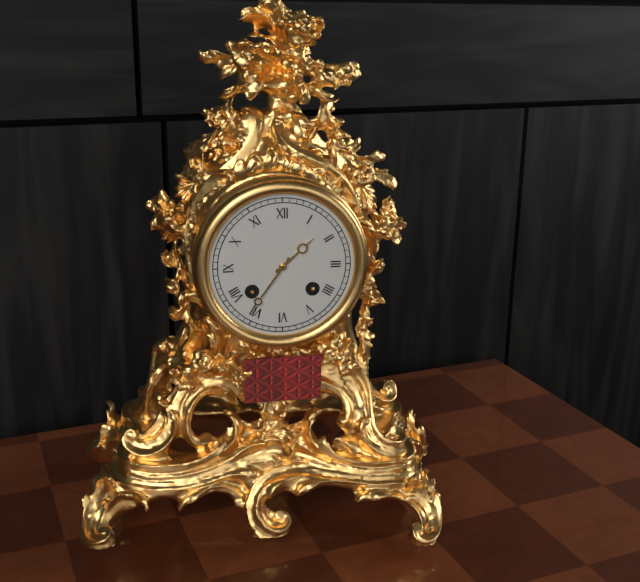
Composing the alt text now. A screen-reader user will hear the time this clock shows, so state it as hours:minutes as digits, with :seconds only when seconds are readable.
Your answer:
1:36
